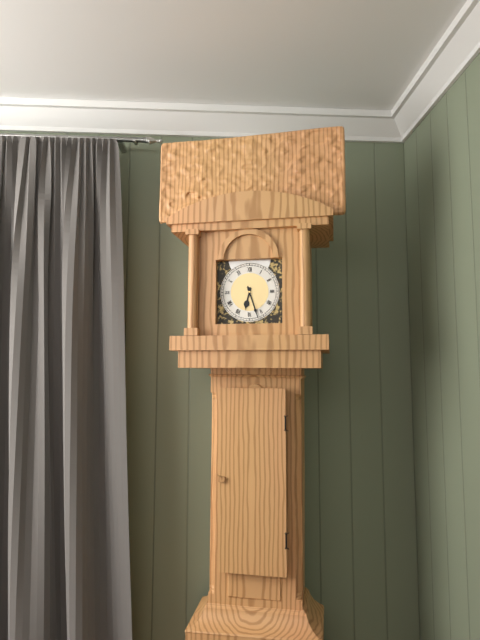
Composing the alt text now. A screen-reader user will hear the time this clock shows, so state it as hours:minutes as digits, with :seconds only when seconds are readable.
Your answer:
6:27
